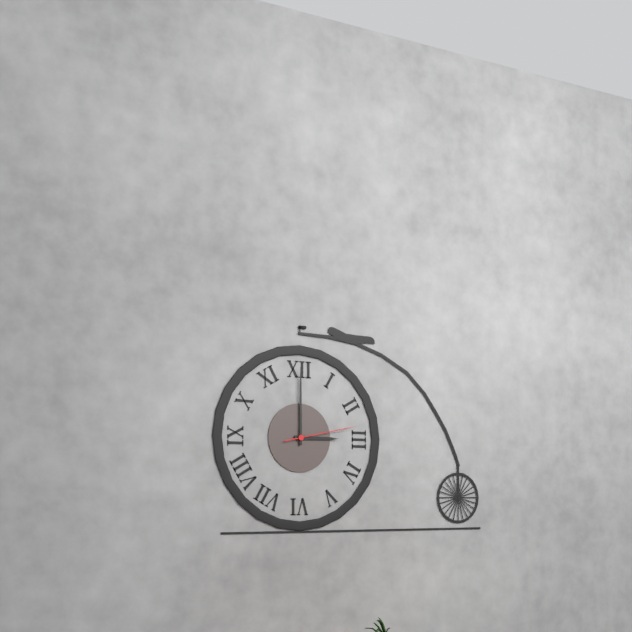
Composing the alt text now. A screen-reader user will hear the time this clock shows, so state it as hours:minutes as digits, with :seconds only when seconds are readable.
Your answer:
3:00:13
